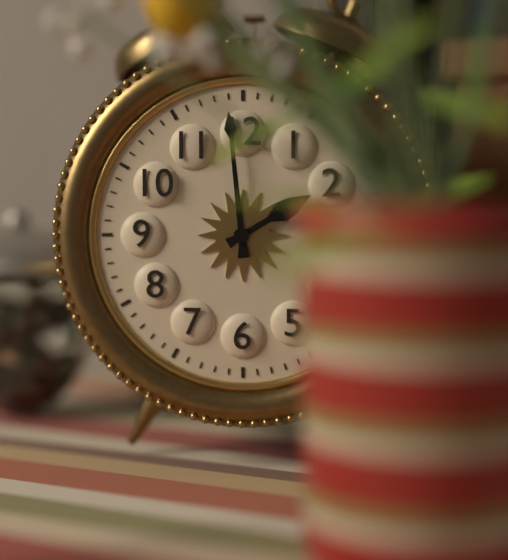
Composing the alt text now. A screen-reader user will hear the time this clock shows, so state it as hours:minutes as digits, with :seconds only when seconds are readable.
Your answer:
1:59
